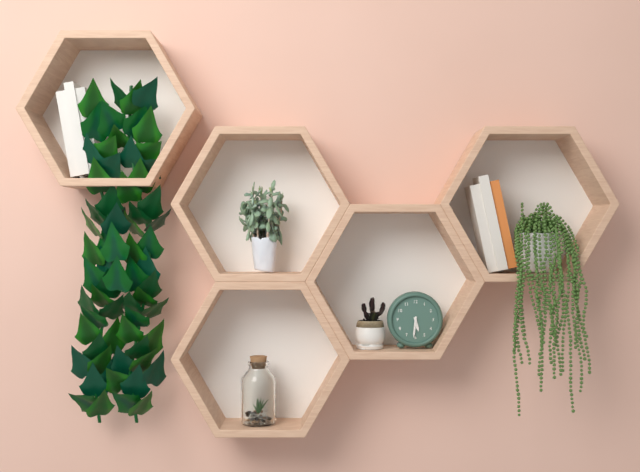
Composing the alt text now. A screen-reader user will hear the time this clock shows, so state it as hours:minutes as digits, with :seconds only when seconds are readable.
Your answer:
5:31
